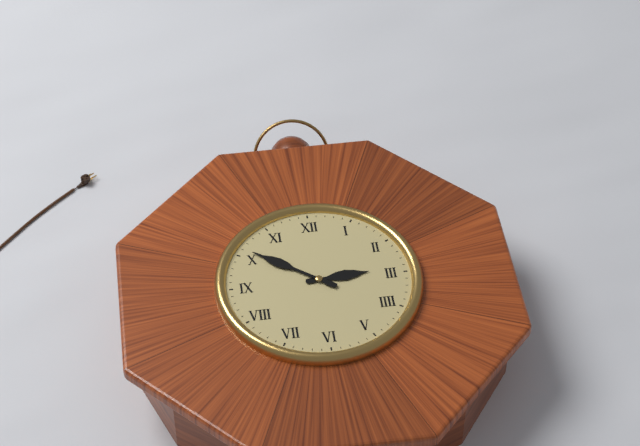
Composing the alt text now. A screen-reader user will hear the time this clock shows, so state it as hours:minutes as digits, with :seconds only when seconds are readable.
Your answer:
2:51
